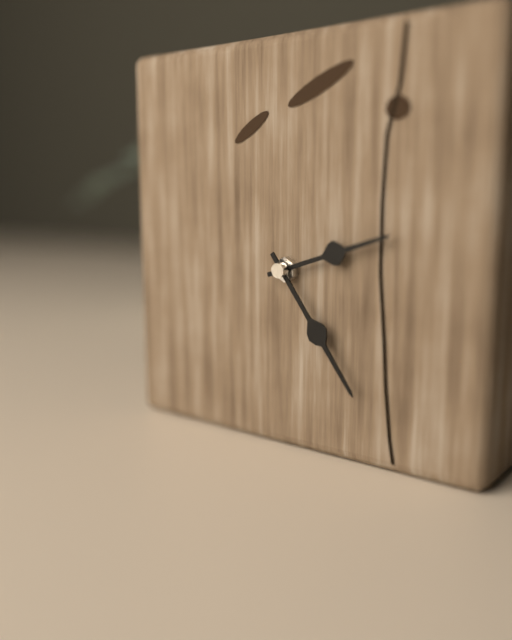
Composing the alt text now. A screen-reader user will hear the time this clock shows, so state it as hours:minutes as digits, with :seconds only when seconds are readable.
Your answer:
2:24
